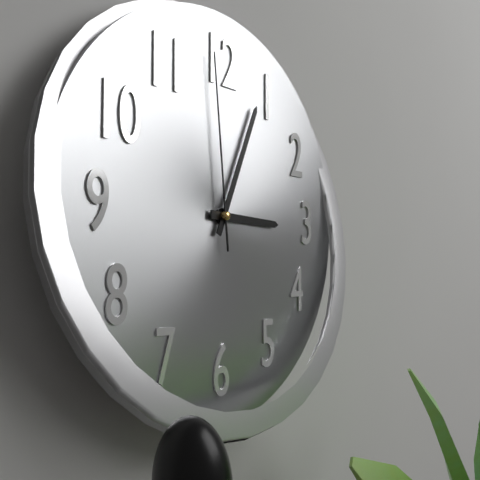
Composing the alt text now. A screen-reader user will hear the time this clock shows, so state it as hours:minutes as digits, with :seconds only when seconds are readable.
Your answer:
3:04:59
